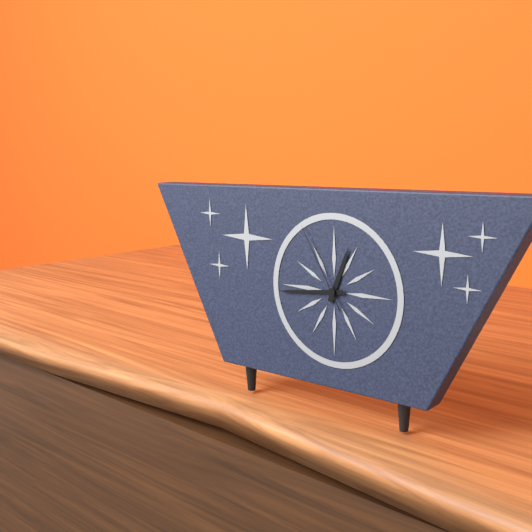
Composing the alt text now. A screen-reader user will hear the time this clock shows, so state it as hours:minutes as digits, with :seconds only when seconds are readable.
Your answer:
12:44:55
